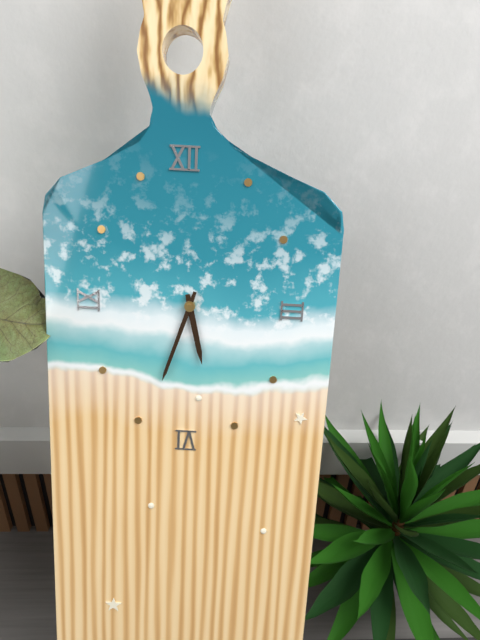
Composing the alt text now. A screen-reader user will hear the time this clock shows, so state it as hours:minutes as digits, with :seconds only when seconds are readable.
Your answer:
5:33
